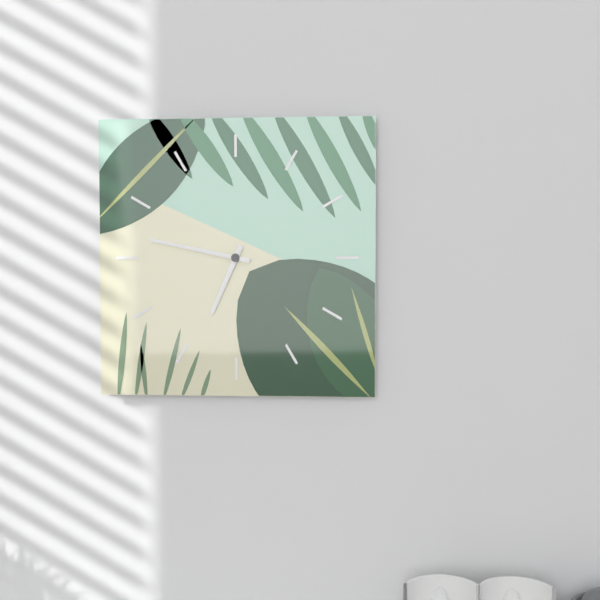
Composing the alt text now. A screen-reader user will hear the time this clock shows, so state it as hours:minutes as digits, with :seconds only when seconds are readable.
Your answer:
6:47
